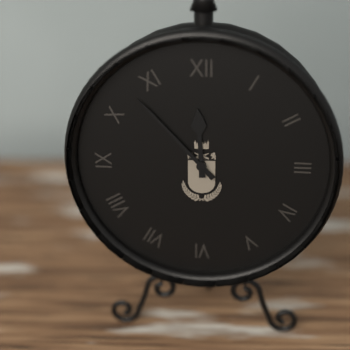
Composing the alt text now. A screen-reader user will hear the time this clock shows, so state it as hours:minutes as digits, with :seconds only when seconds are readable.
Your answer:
11:53
